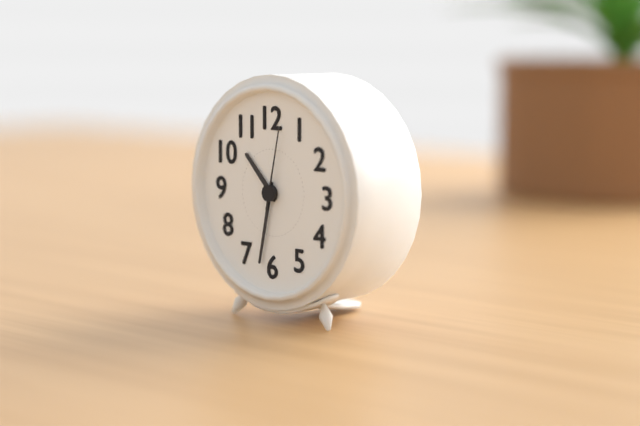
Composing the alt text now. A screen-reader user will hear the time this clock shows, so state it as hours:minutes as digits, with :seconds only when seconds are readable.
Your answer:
10:32:02
